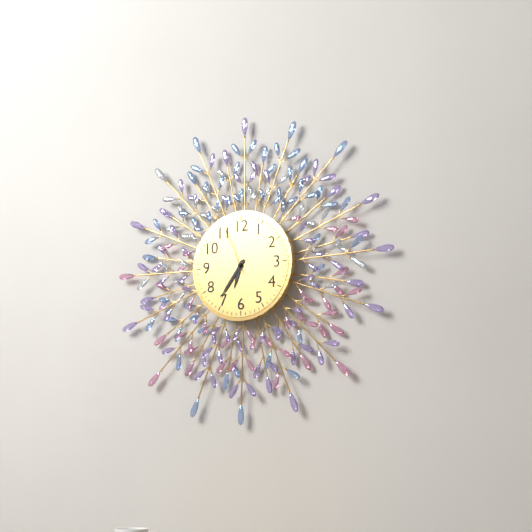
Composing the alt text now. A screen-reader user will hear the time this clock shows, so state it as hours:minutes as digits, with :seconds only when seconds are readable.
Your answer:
6:36:56
